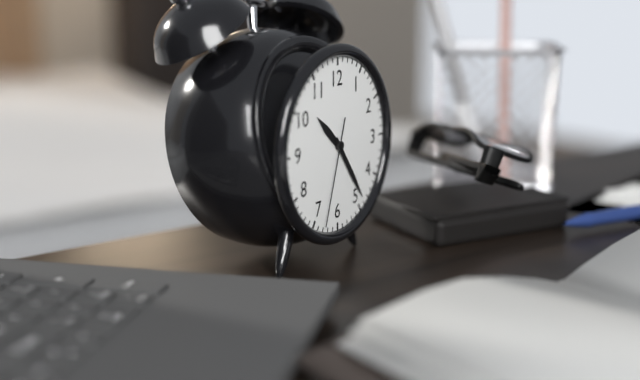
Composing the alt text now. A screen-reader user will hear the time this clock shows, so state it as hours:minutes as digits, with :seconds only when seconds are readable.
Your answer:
10:24:33
